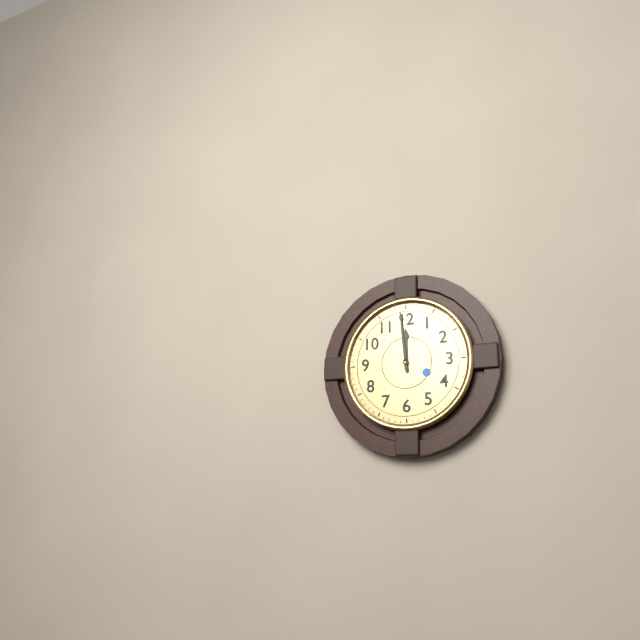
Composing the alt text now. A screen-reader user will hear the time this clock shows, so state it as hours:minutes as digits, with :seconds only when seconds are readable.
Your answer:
11:59
